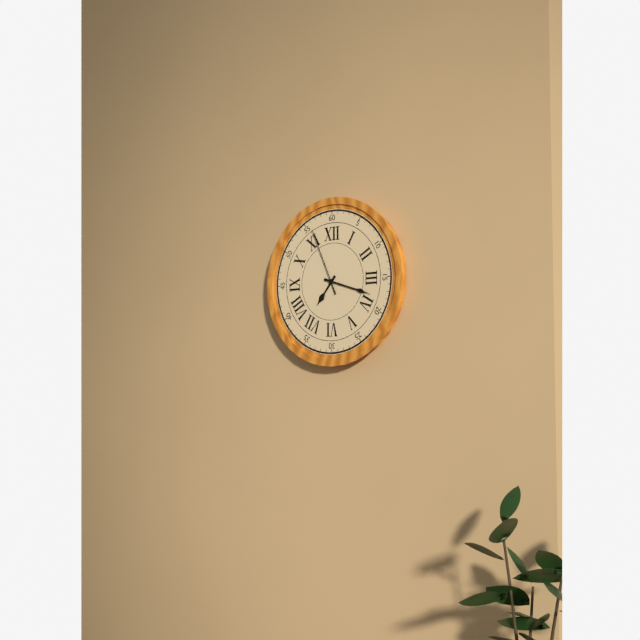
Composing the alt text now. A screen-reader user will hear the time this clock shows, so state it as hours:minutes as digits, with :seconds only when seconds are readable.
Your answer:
7:18:56
